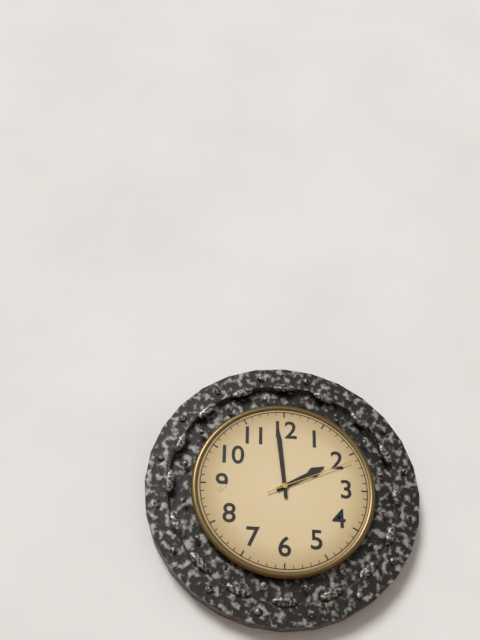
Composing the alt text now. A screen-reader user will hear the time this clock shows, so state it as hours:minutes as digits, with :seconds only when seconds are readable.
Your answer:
1:59:11
